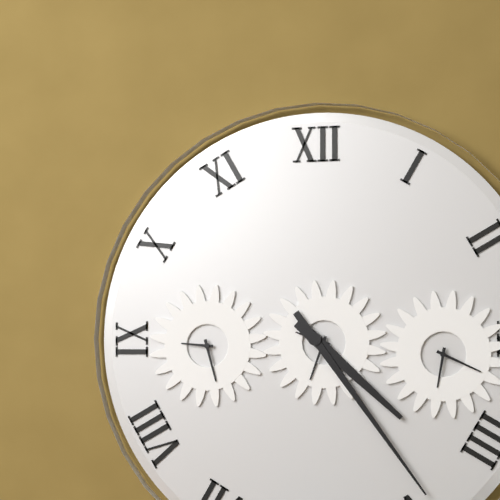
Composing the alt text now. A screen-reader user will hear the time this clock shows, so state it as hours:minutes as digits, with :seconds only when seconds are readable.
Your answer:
4:24
